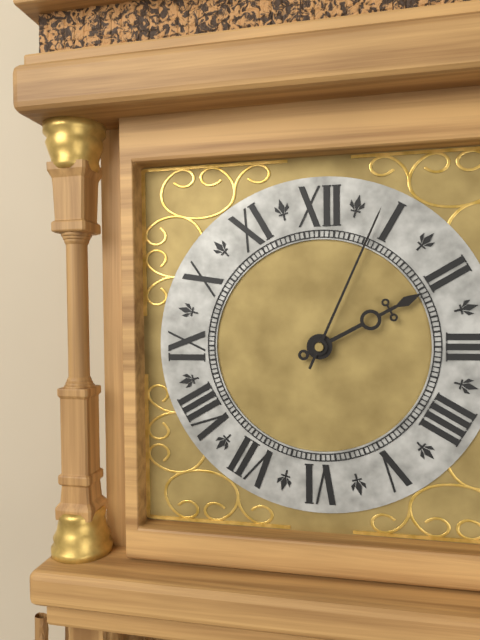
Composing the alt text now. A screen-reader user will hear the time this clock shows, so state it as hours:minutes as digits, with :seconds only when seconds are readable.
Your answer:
2:04
